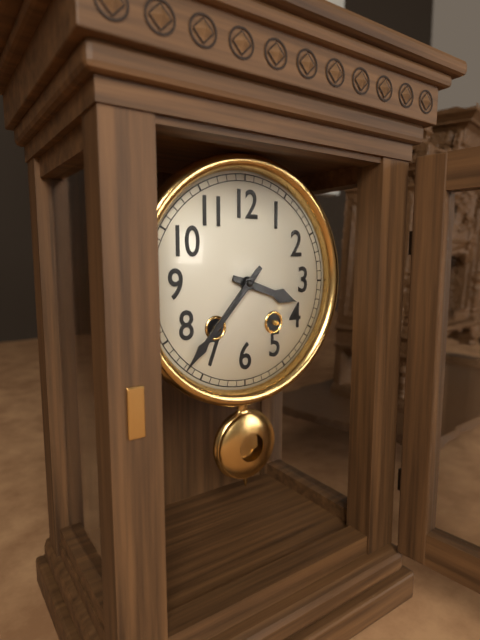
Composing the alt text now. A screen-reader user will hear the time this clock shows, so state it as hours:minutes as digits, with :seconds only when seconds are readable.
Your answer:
3:37
